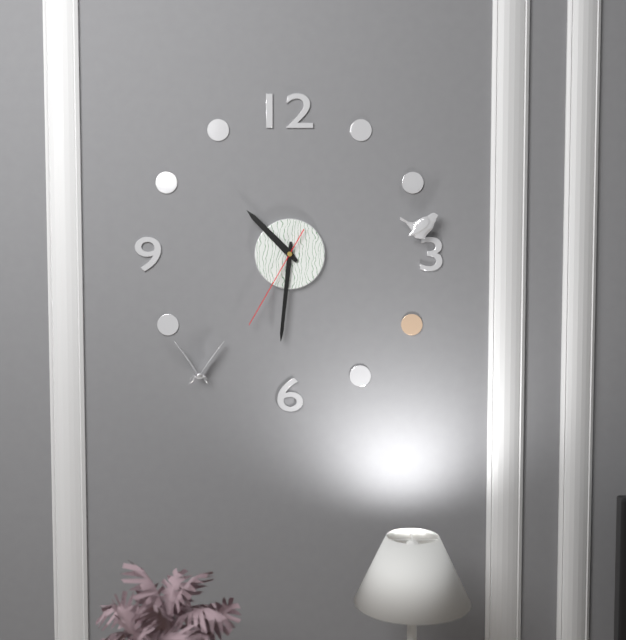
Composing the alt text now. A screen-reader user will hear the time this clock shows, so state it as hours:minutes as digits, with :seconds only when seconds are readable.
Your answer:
10:31:35
